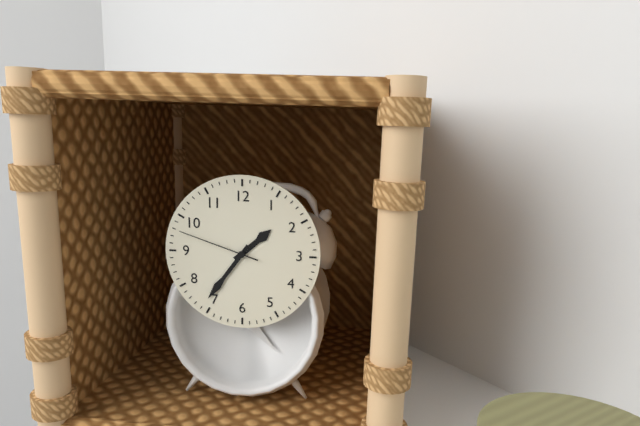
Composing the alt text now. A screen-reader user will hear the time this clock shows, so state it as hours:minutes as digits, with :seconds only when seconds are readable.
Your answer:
1:36:48
